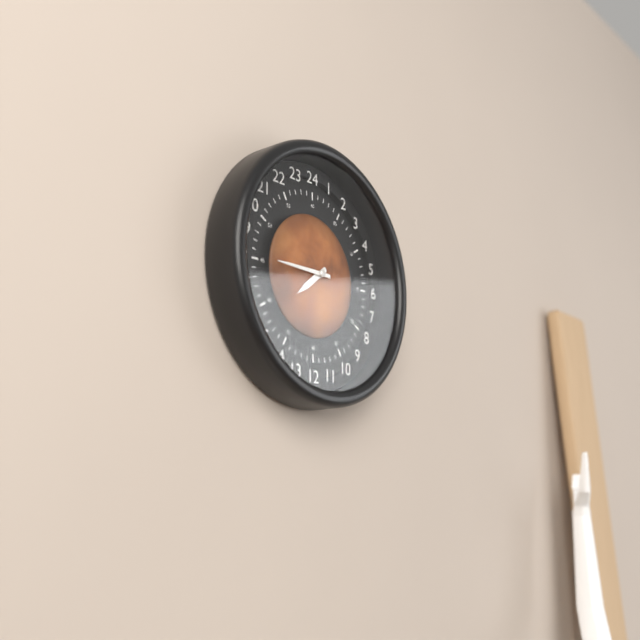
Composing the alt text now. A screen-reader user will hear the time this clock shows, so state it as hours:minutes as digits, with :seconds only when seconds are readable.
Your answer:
7:45
